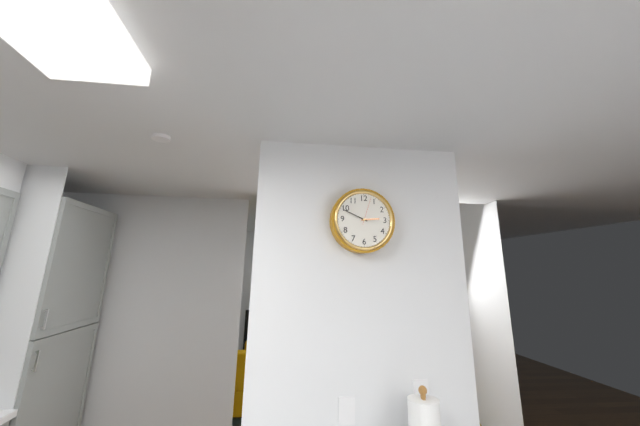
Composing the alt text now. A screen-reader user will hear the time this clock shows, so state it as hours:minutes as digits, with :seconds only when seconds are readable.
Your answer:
2:49
